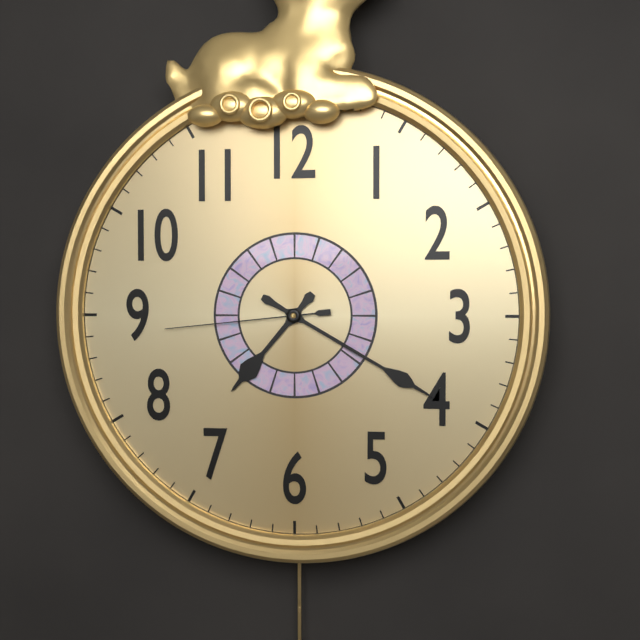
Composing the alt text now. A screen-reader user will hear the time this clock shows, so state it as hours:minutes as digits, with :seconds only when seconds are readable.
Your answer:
7:20:44
